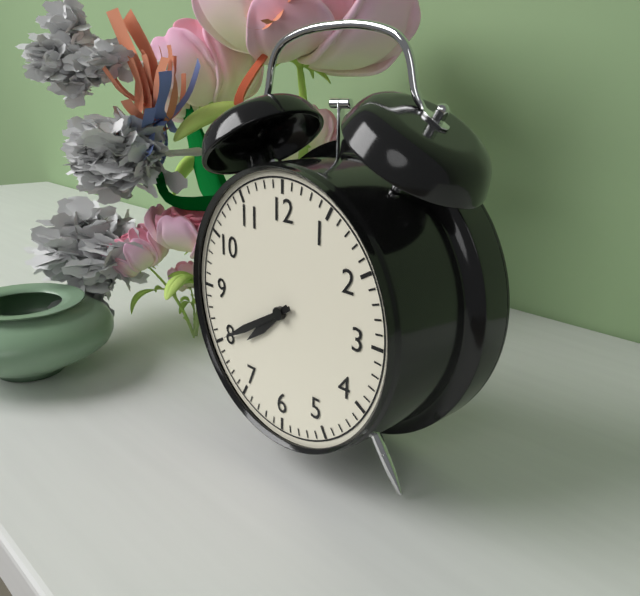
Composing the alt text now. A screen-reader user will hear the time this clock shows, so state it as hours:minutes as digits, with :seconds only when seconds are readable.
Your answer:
7:40
